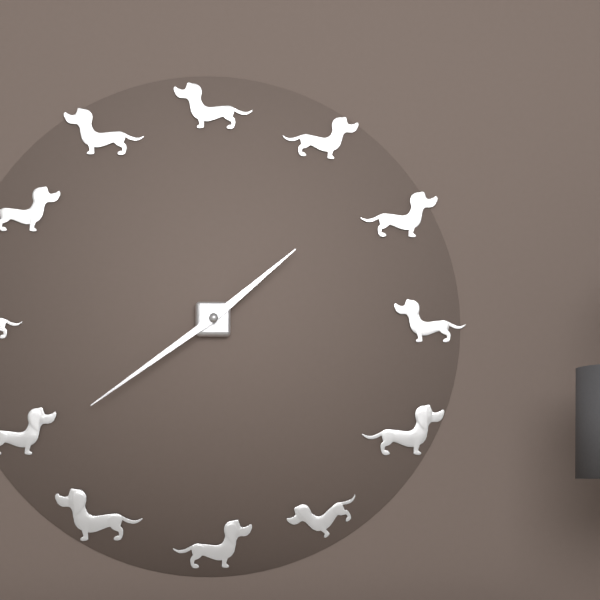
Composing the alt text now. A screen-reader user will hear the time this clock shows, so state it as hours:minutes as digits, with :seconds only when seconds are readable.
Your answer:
1:39
